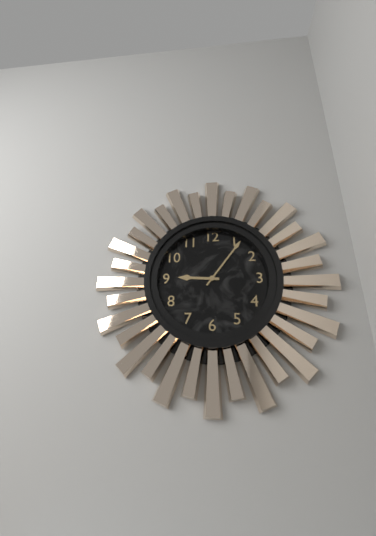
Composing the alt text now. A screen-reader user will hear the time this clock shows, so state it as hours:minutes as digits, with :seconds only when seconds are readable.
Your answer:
9:06
